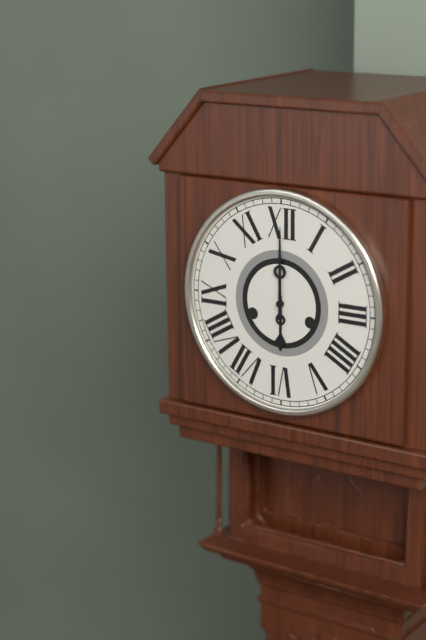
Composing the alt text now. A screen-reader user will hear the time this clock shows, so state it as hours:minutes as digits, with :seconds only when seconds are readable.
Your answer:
6:00
